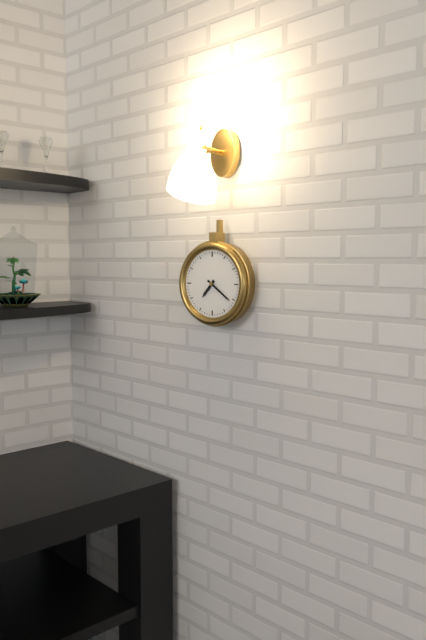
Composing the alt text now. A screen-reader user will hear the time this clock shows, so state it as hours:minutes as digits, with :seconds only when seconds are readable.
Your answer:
7:21
